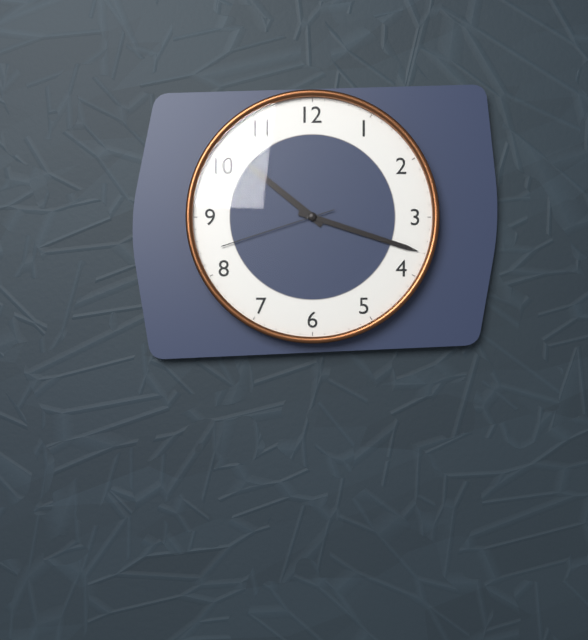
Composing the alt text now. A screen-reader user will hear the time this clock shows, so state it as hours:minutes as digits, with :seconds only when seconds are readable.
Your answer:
10:18:42
